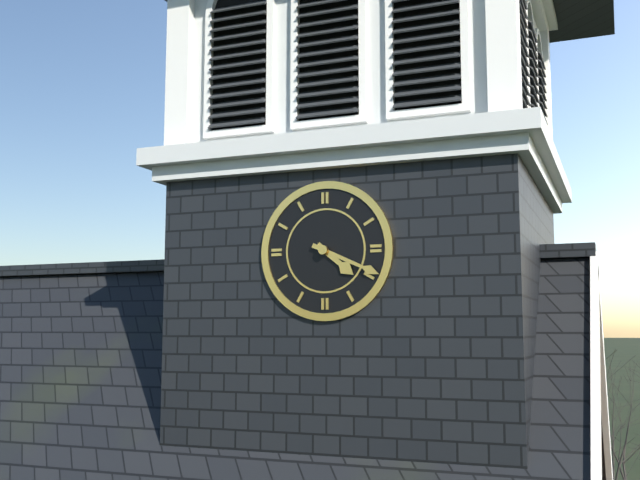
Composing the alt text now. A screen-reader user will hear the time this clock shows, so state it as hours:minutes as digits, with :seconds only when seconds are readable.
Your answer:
4:19
